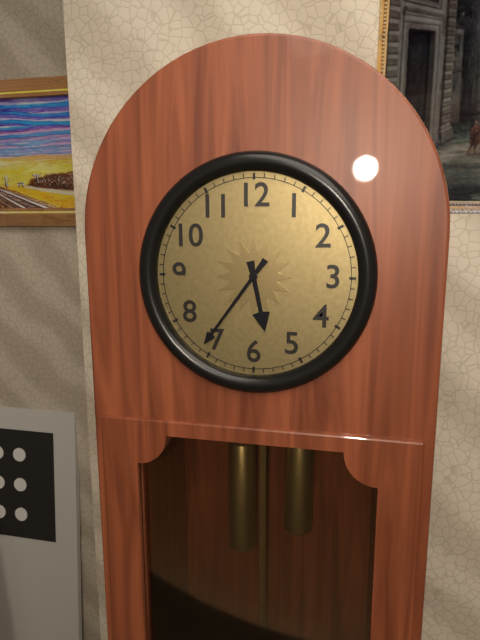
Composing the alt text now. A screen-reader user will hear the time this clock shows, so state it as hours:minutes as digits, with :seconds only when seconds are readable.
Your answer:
5:36
